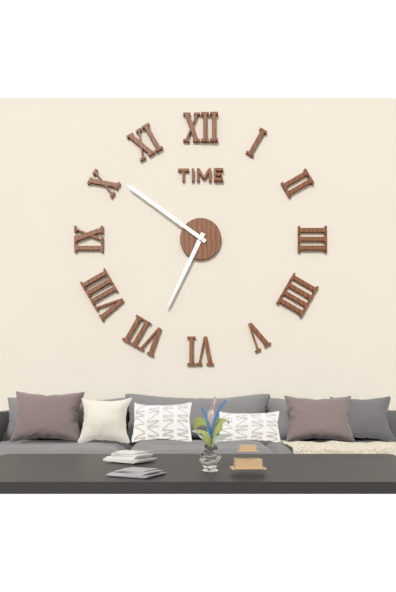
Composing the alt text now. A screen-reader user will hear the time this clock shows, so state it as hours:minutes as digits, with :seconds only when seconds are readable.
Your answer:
6:51
